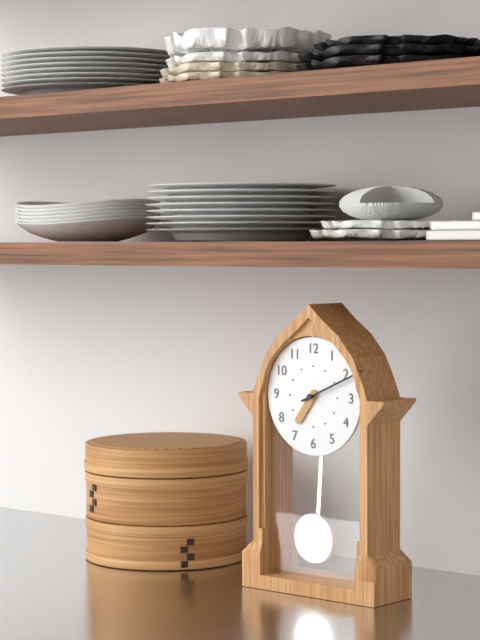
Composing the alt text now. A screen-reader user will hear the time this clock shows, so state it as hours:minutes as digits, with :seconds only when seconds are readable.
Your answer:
7:11
